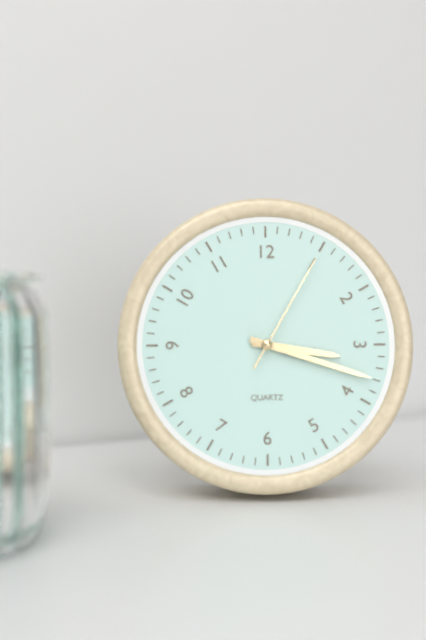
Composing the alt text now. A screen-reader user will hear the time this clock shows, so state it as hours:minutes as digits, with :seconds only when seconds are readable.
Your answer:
3:18:05
